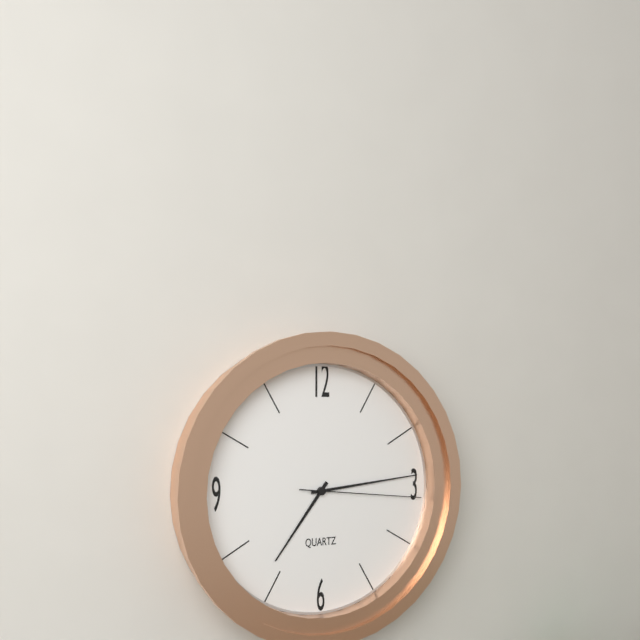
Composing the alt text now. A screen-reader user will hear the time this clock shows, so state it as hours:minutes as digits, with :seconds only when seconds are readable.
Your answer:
7:14:16
